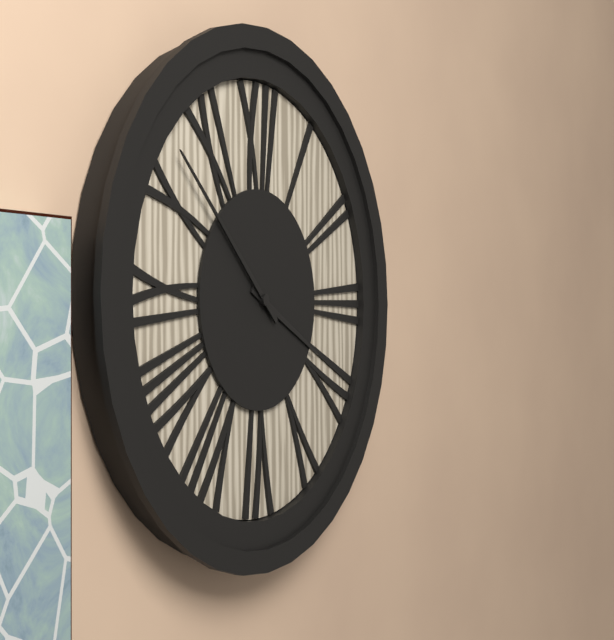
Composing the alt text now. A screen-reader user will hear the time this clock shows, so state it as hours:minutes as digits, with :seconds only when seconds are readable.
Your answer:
3:52
